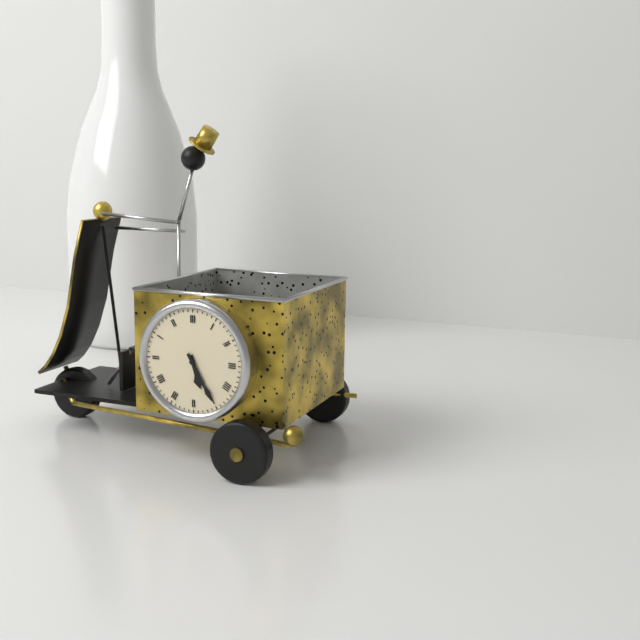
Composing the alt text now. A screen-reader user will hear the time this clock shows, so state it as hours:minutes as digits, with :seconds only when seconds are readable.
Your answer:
5:25
